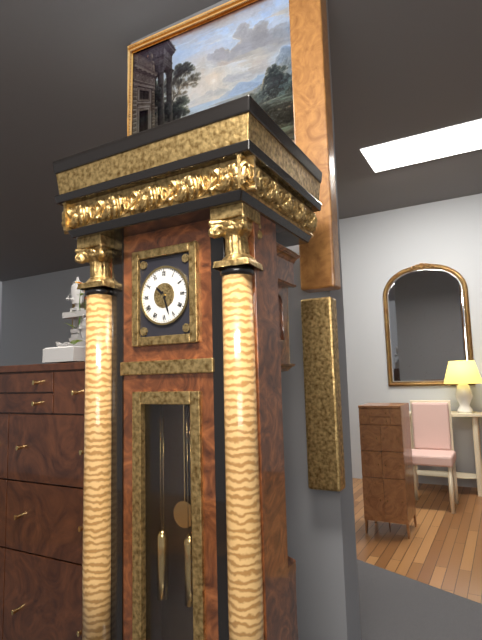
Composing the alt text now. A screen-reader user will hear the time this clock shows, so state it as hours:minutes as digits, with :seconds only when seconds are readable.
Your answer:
10:27
